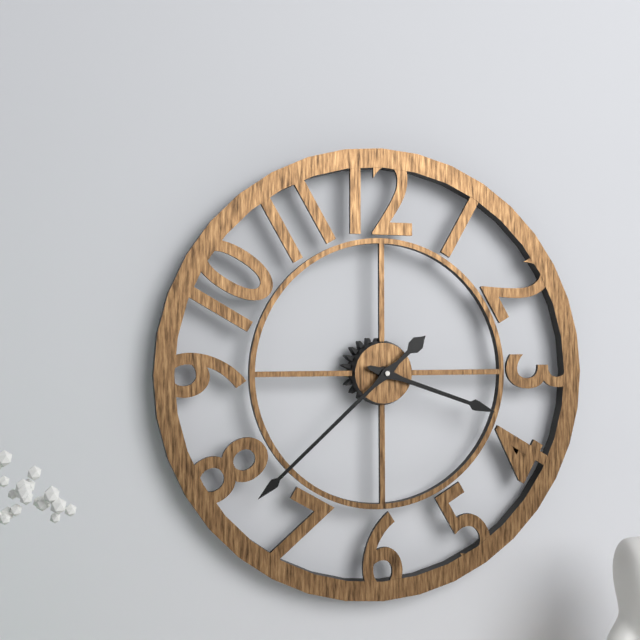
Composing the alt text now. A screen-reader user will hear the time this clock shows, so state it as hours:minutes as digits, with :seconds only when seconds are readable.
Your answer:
3:38
